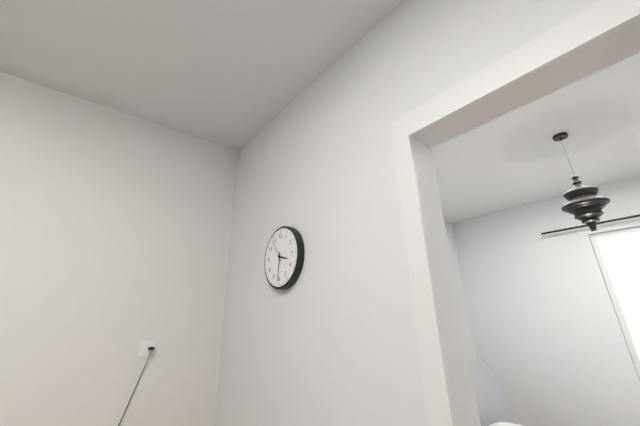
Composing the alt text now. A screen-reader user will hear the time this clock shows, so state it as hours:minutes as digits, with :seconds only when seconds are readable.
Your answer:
3:31
